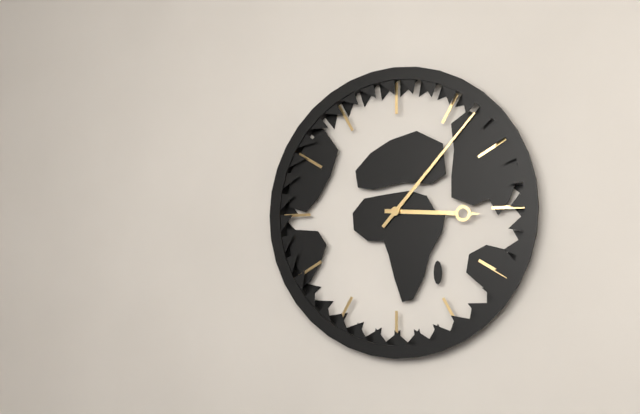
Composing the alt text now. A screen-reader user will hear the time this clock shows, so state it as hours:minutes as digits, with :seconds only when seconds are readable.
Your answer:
3:07
